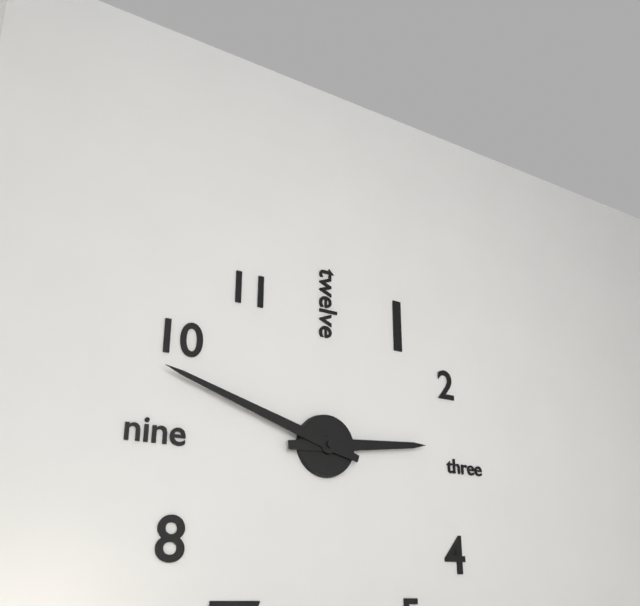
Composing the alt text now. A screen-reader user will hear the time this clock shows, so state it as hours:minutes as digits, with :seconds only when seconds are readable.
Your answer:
2:48
